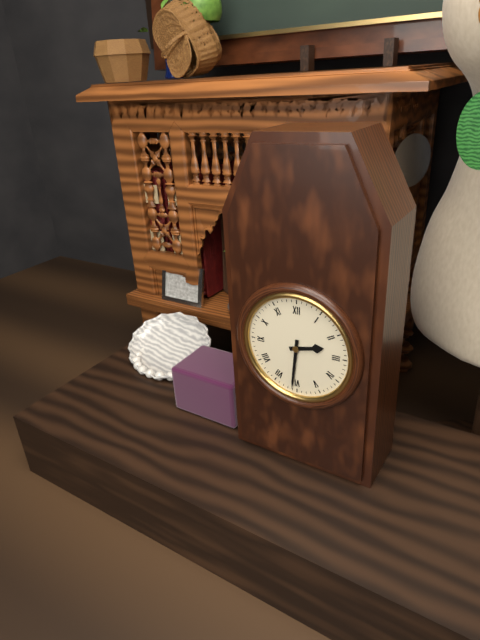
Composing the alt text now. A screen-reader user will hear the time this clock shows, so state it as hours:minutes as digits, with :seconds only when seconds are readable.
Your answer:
2:31
